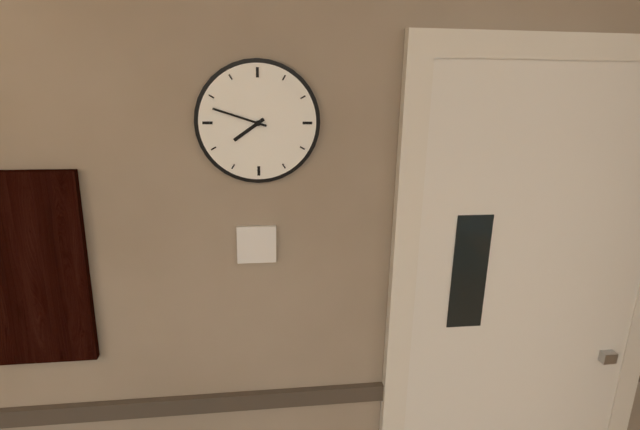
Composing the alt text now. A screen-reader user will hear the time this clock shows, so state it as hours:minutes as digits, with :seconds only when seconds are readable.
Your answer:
7:48
